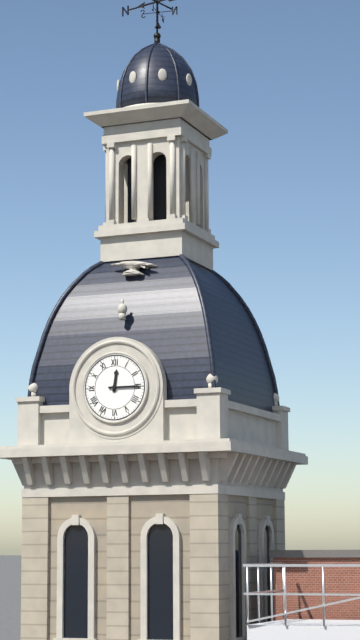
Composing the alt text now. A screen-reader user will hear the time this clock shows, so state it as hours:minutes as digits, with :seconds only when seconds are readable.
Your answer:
12:15
